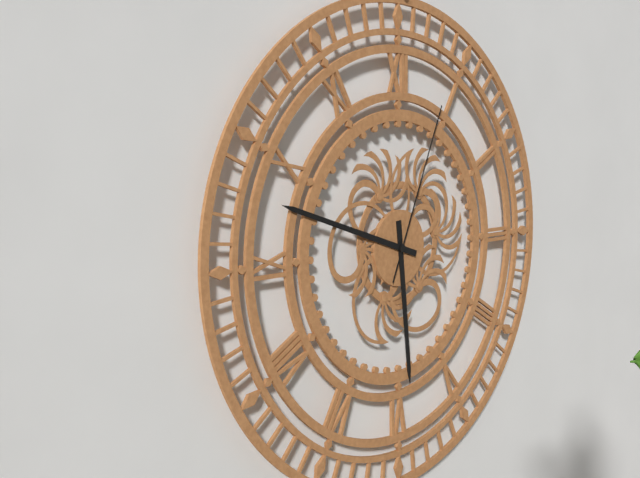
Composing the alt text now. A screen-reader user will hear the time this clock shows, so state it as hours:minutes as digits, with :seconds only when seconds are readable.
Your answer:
5:48:04
